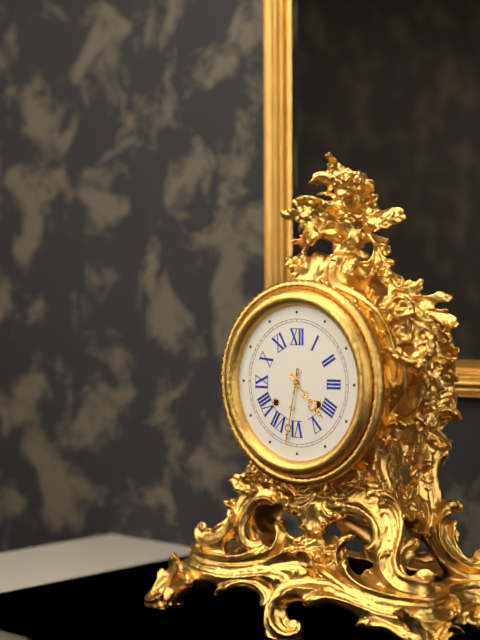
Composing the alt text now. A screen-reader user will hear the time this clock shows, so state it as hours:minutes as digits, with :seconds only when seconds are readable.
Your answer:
4:32
